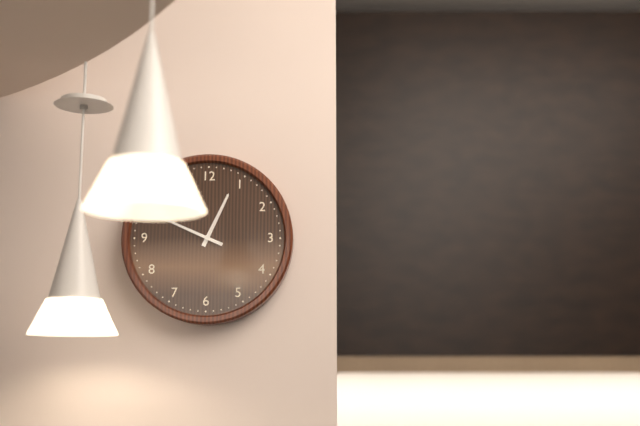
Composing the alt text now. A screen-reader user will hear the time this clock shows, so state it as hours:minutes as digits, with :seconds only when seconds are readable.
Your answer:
12:49
